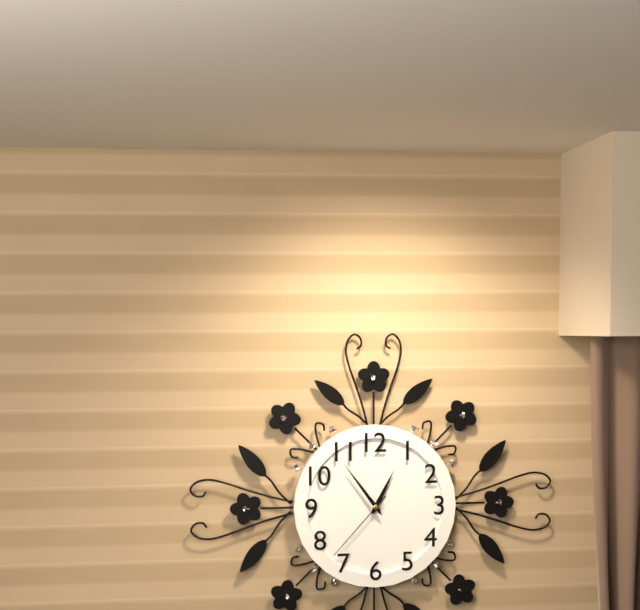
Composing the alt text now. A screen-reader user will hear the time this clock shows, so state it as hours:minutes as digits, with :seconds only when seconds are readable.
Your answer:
12:54:37
